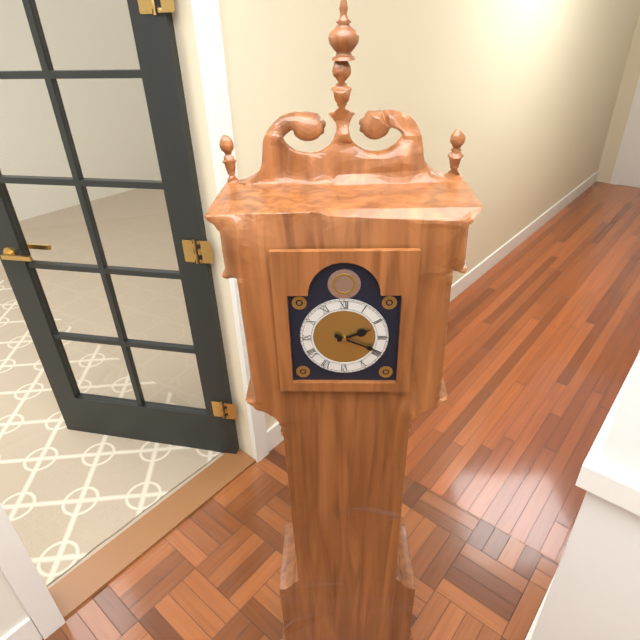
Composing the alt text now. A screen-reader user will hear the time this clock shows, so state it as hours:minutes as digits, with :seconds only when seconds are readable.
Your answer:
2:19
